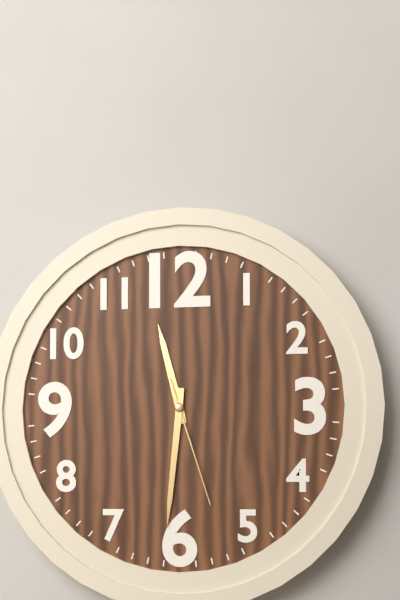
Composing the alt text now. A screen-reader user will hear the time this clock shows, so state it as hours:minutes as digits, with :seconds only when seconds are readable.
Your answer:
11:31:27
